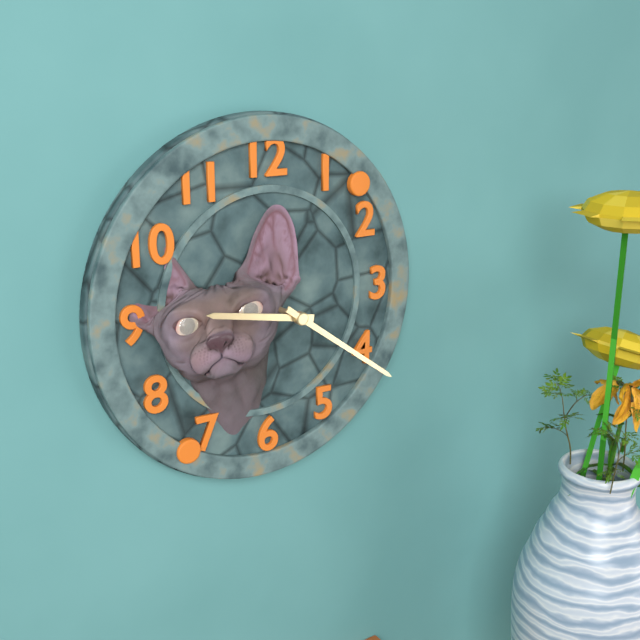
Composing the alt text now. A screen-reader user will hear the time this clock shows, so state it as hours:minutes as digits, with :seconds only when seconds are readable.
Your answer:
9:21
